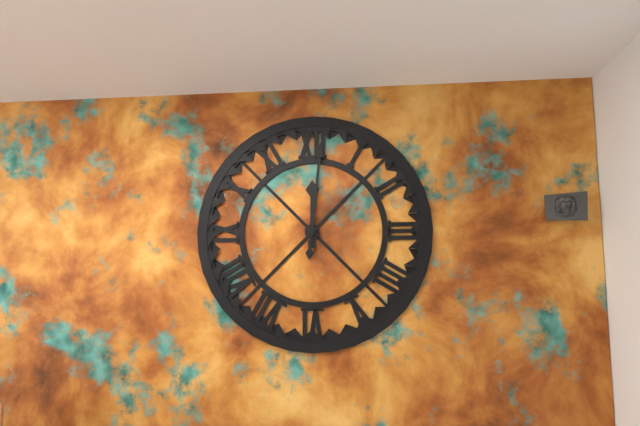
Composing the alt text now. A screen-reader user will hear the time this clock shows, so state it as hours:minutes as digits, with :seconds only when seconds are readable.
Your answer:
12:01
